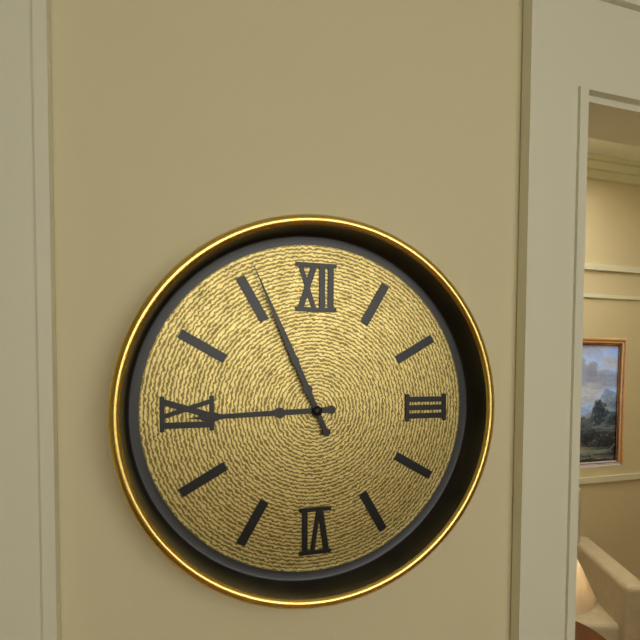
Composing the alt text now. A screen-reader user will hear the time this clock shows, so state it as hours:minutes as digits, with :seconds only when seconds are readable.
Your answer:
8:56
